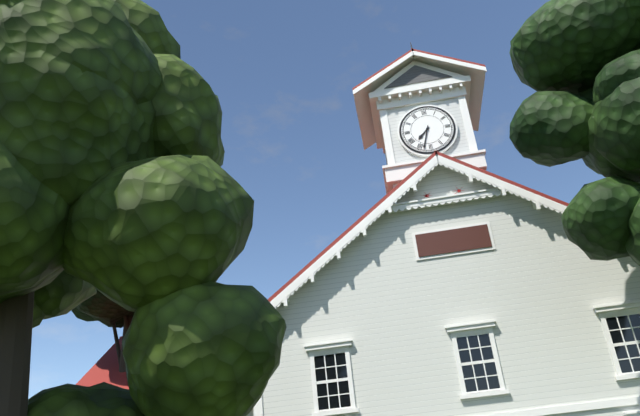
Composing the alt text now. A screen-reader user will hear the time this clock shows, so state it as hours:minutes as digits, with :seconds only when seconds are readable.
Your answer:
7:33
